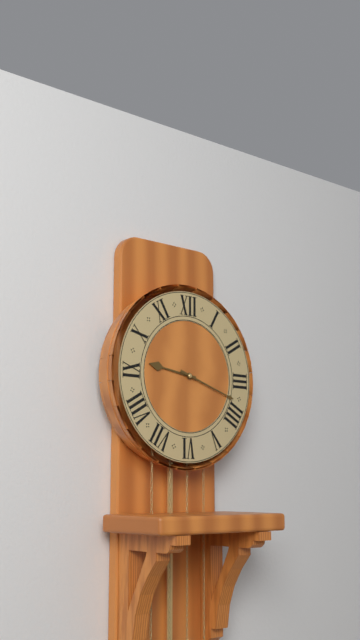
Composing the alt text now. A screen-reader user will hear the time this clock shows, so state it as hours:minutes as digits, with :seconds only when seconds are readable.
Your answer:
9:18
